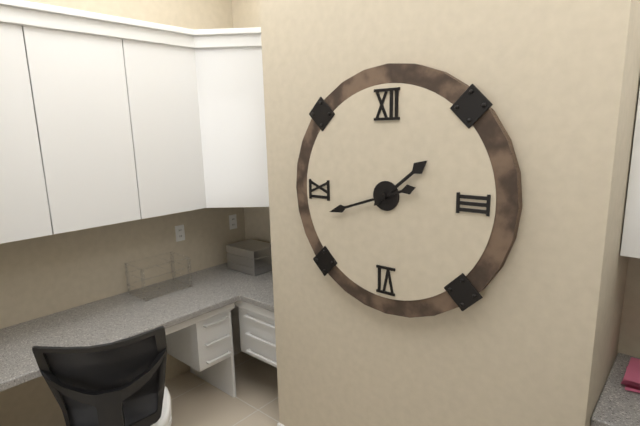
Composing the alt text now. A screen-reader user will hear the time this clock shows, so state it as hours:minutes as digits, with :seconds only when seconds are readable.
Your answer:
1:42
